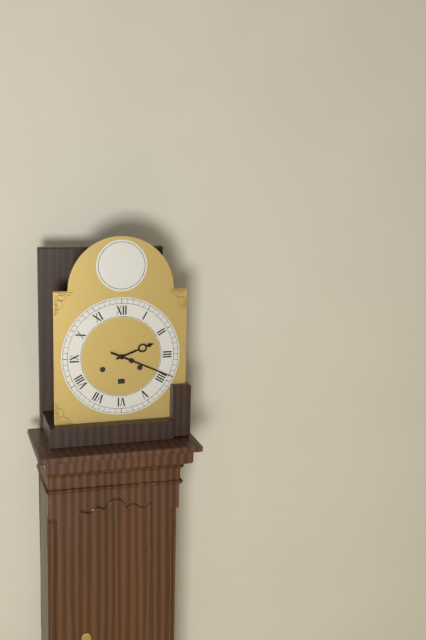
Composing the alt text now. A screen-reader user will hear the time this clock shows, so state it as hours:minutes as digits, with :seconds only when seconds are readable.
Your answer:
2:19
